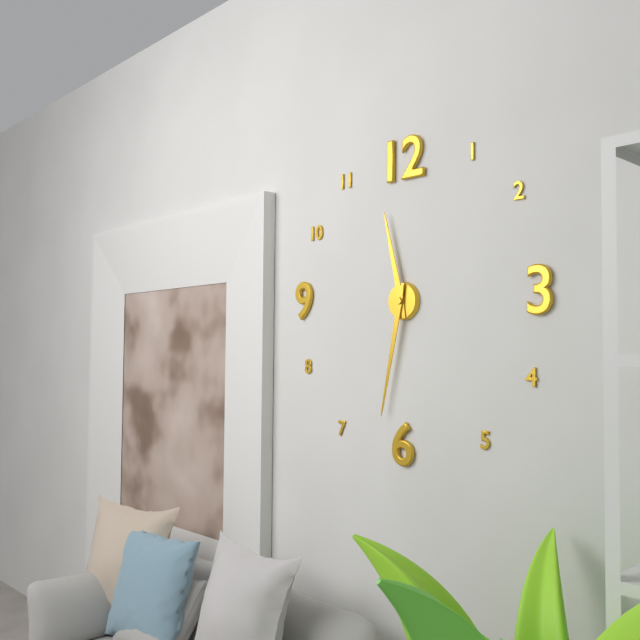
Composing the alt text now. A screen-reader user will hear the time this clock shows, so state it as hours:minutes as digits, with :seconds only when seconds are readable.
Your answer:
11:32
